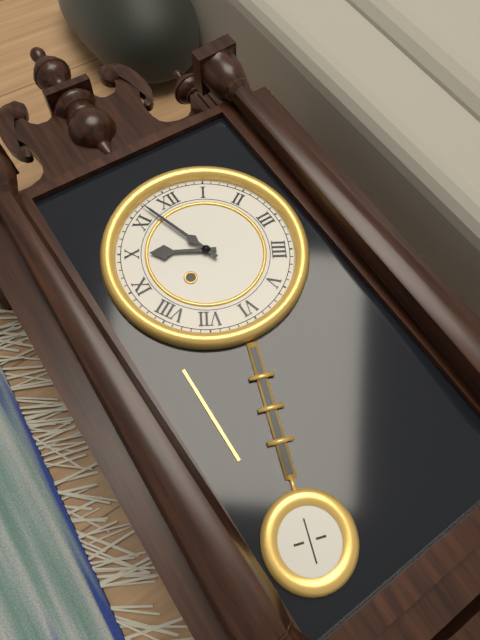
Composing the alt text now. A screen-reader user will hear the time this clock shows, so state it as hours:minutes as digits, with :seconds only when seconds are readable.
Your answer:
9:57
